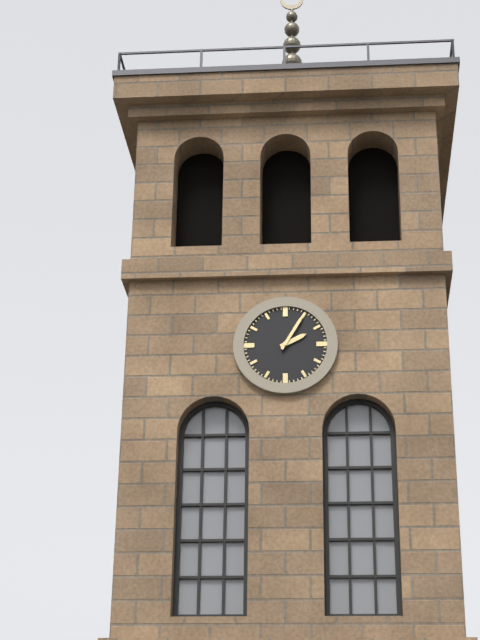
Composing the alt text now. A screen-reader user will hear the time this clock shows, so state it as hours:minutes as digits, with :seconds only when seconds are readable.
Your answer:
2:05
